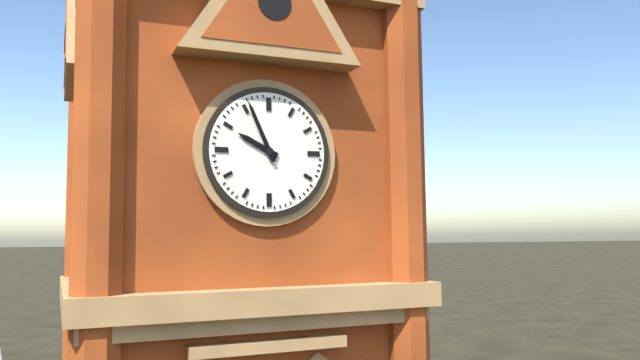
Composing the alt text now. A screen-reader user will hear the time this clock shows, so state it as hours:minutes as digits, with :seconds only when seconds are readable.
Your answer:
9:56
